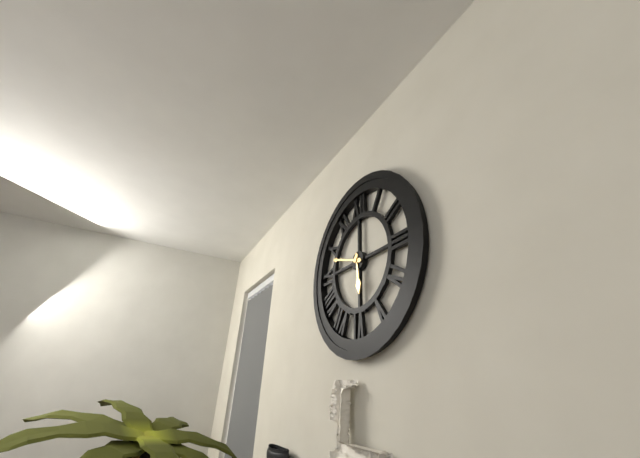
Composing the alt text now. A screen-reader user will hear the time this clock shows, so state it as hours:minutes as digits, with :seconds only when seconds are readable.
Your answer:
5:48
